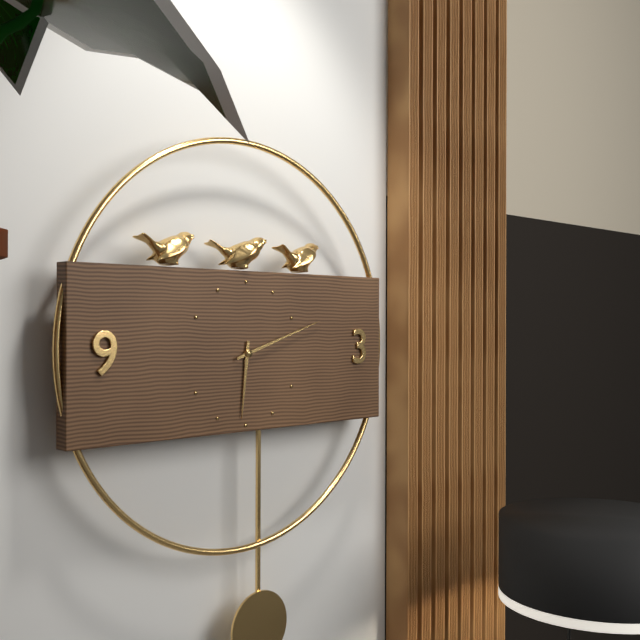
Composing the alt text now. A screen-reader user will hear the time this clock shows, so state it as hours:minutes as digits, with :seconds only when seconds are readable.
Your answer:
6:12
